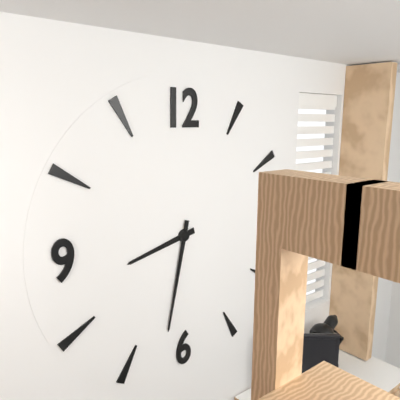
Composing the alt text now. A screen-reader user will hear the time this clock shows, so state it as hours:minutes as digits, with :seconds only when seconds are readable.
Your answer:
8:32
